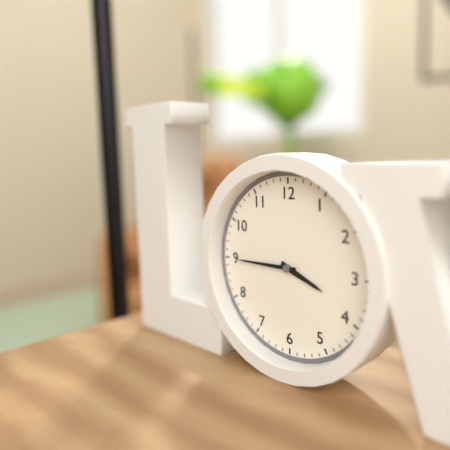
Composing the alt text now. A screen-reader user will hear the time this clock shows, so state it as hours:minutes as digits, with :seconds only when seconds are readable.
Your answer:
3:45
